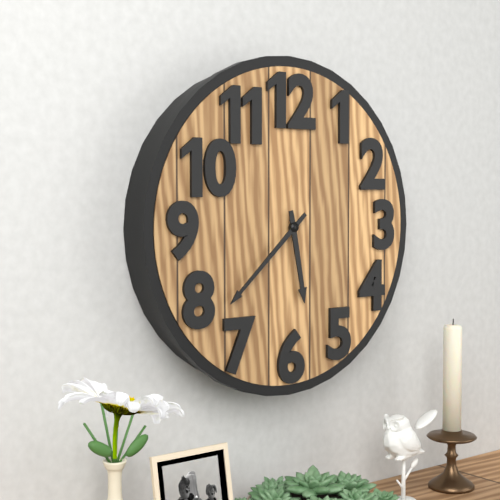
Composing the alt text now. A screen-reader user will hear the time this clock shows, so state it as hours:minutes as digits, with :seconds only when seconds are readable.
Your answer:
5:38
